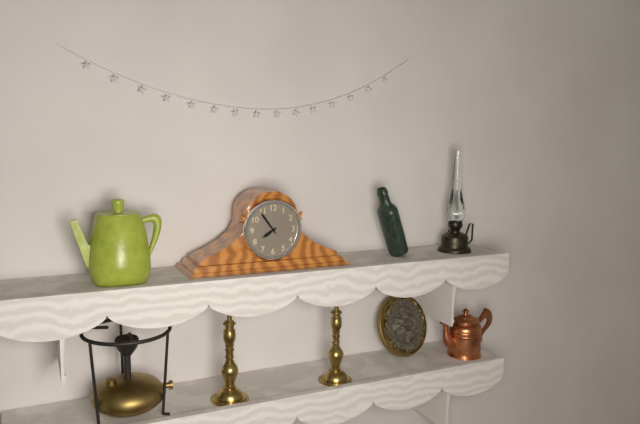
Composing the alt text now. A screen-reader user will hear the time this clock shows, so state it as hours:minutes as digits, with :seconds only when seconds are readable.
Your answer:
7:54
